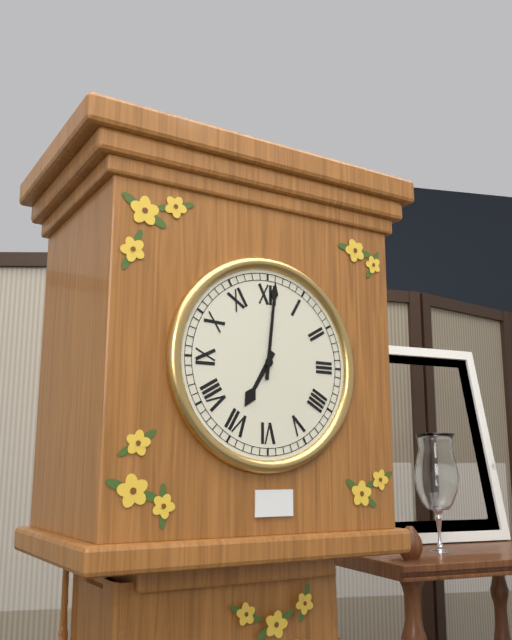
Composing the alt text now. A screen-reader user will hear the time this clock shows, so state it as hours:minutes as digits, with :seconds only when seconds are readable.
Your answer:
7:01
